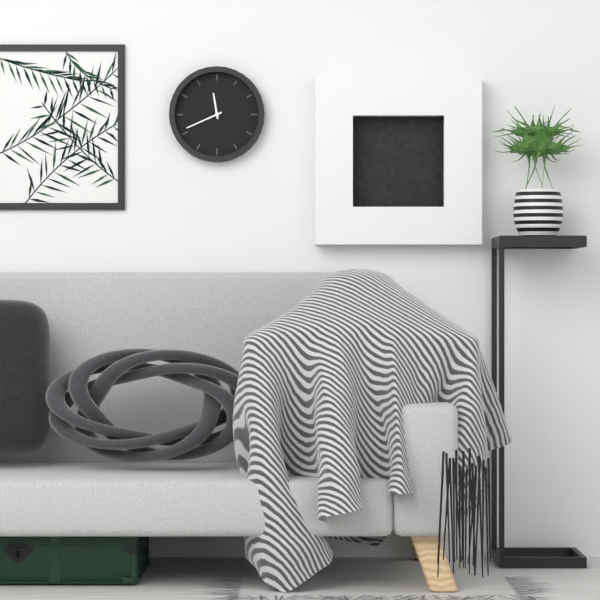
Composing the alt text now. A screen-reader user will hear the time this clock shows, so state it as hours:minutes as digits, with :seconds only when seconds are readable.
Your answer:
11:41
